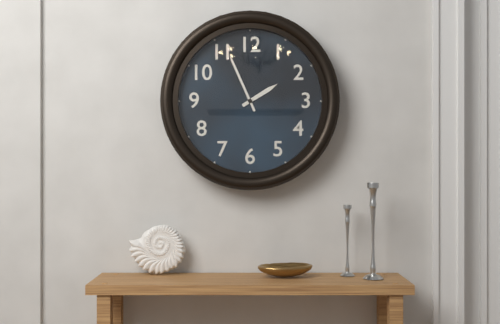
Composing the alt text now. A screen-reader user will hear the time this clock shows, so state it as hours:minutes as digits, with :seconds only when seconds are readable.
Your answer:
1:56
